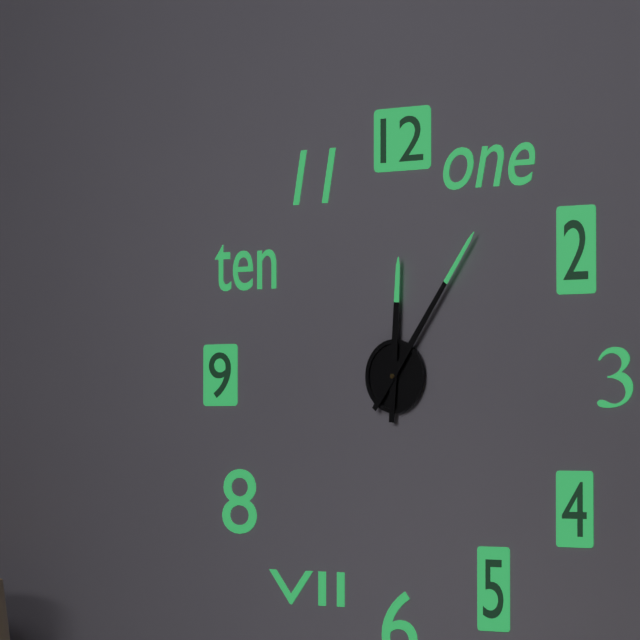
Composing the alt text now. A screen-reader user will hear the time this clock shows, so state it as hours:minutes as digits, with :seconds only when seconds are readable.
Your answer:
12:06
